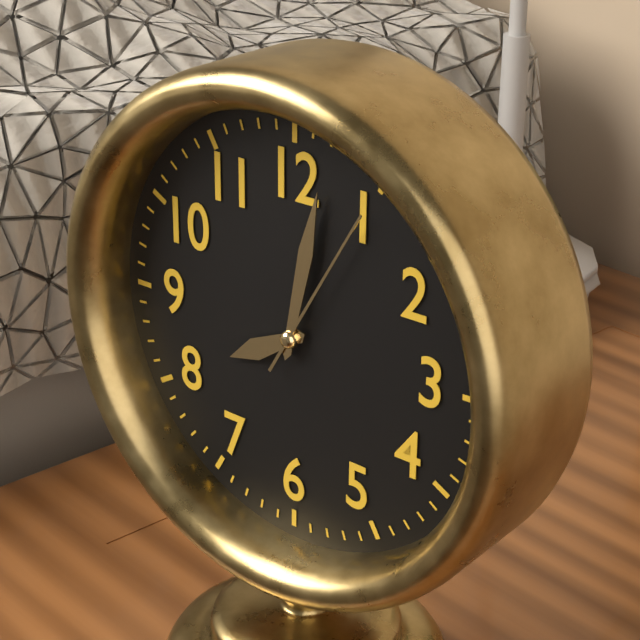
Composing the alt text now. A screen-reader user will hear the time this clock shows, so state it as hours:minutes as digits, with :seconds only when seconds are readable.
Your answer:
8:02:05
